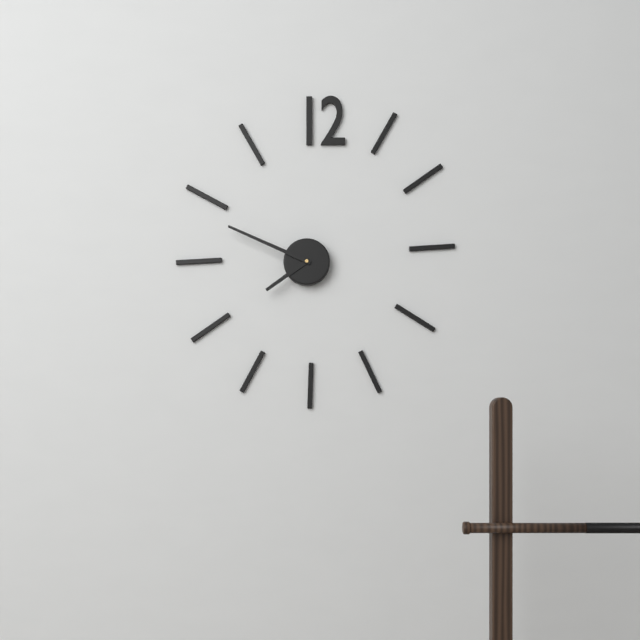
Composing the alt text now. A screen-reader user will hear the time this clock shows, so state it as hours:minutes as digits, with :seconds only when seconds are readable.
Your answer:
7:49
